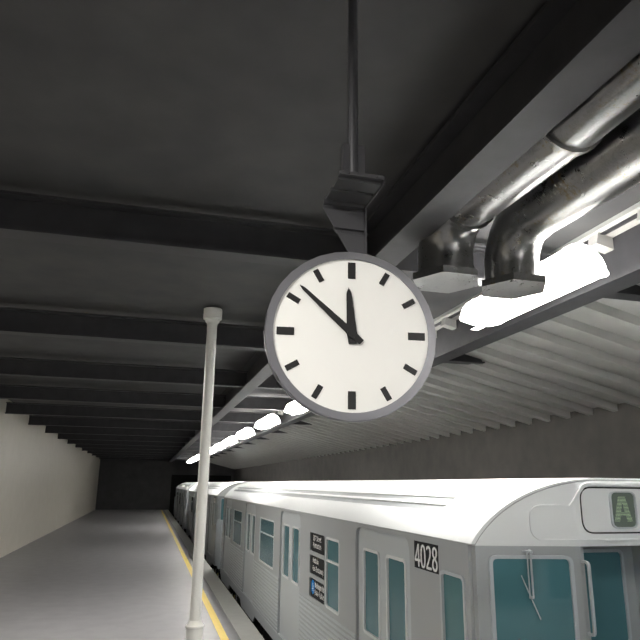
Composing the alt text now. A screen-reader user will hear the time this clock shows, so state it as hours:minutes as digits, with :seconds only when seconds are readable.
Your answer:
11:52
